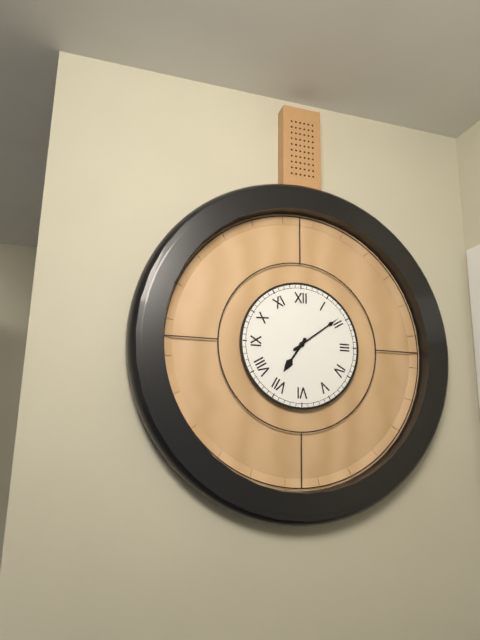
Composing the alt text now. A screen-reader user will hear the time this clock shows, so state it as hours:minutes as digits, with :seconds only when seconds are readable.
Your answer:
7:09
